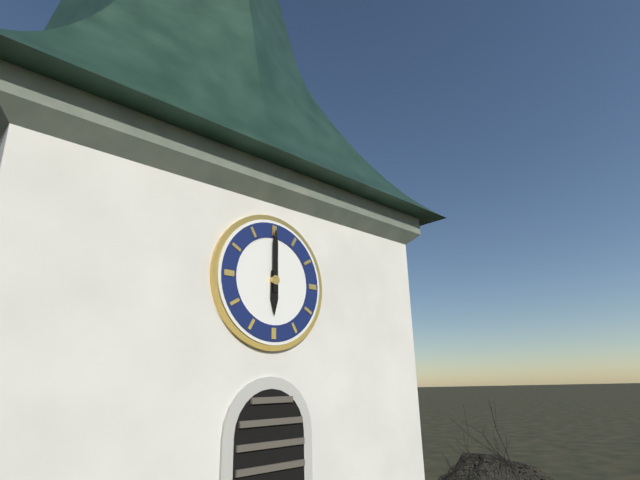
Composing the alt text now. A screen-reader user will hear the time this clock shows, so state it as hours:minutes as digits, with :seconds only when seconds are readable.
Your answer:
6:00
